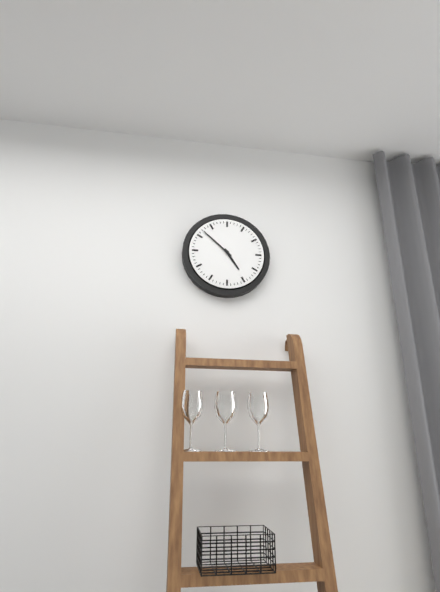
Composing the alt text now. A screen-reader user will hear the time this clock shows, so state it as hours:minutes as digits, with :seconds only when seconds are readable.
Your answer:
4:52
